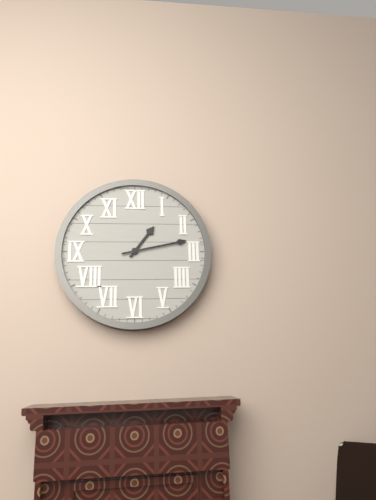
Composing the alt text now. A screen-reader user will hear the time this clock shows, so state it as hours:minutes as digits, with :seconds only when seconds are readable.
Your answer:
1:13
